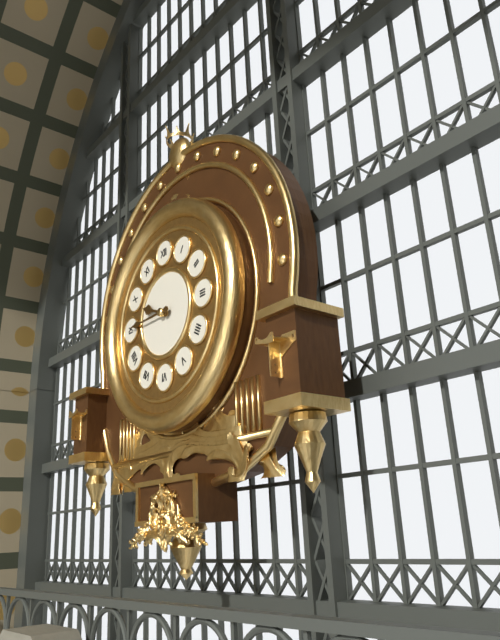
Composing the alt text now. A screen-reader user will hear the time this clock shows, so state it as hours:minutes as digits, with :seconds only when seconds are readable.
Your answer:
9:45
